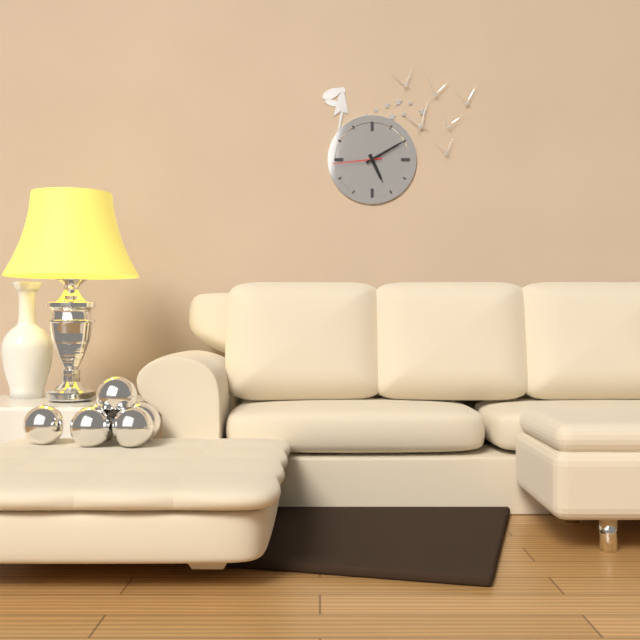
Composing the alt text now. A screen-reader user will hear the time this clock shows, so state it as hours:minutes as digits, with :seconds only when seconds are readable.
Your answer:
5:10
